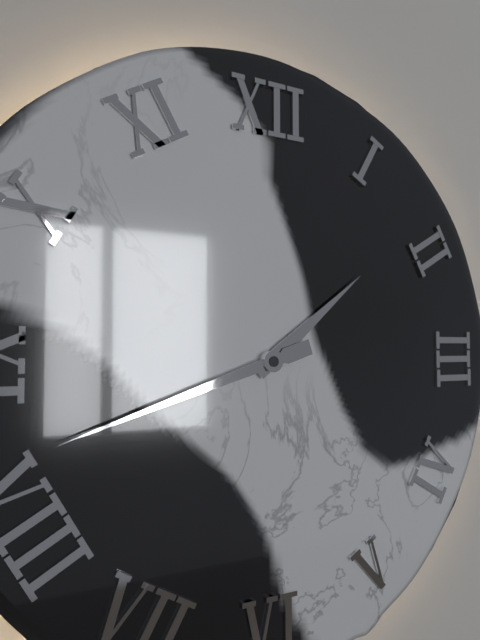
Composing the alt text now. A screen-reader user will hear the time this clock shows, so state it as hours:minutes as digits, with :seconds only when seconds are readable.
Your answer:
1:42
